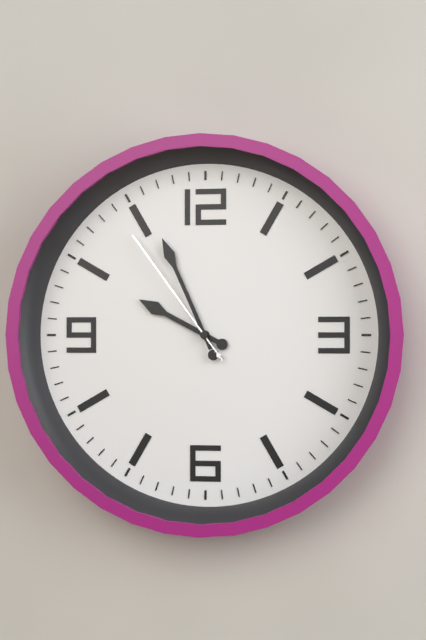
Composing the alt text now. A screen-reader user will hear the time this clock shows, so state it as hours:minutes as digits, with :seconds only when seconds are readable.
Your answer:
9:56:54
